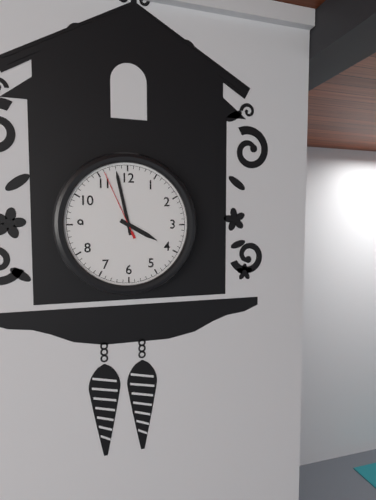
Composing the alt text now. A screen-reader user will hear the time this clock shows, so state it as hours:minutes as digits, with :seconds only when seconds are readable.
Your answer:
3:58:56
